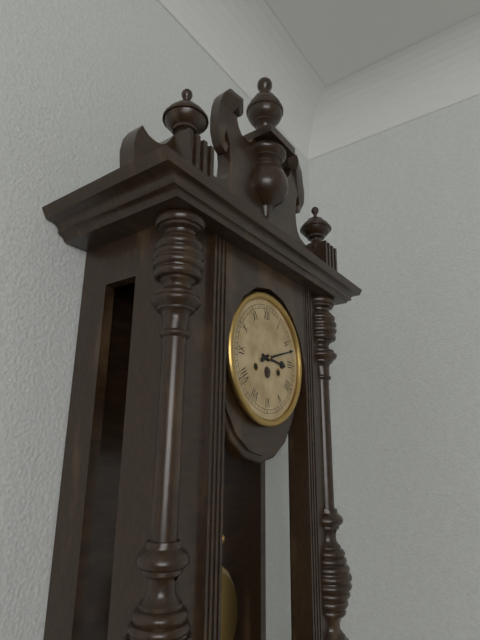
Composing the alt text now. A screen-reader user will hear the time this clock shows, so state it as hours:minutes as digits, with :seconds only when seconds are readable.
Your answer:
3:12
